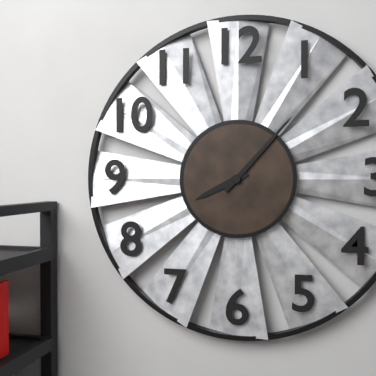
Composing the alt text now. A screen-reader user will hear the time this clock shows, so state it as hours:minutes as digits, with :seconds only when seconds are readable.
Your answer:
8:07
